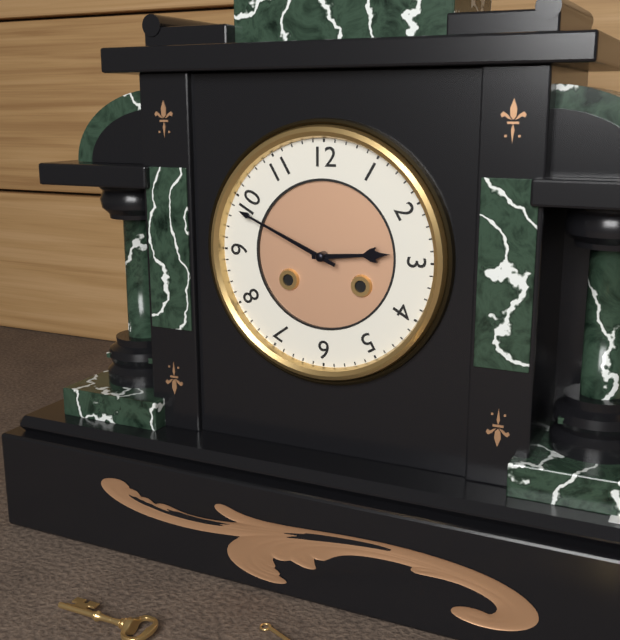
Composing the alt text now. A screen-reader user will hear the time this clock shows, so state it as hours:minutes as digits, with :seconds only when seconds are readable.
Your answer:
2:49
